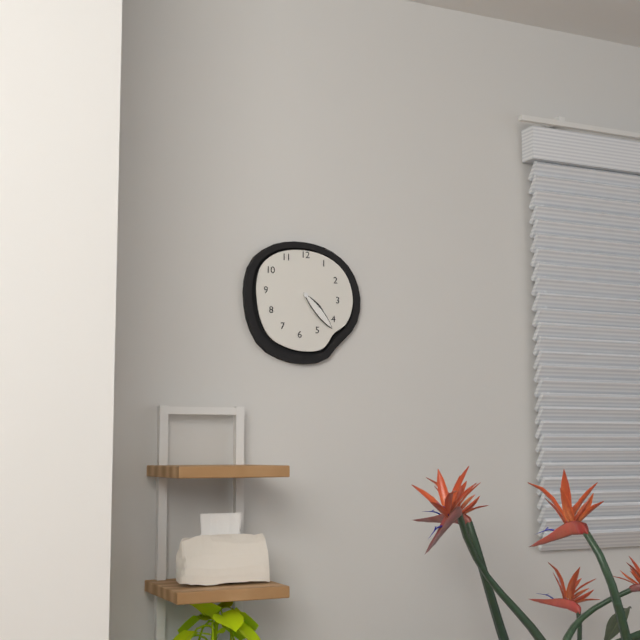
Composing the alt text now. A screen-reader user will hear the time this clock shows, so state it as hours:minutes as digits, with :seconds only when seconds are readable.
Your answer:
4:23
